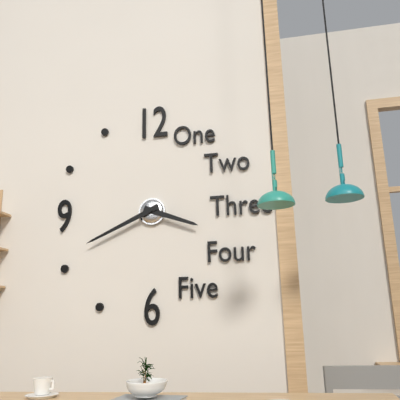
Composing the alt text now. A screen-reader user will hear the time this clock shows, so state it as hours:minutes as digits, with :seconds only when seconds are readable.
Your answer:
3:41
